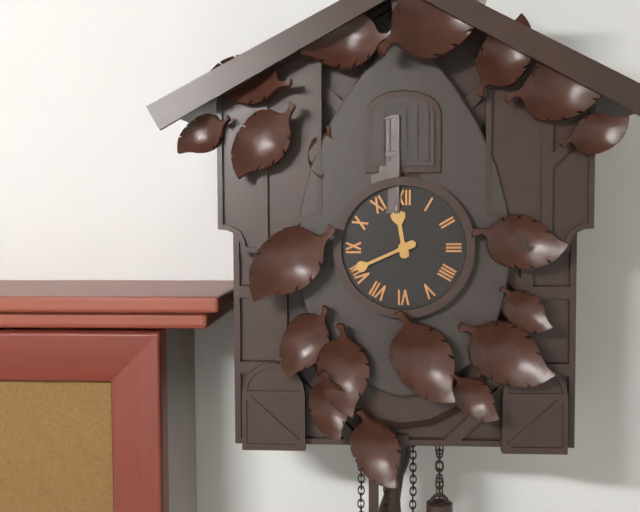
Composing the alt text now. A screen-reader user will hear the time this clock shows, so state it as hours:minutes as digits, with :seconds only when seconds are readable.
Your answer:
11:41
